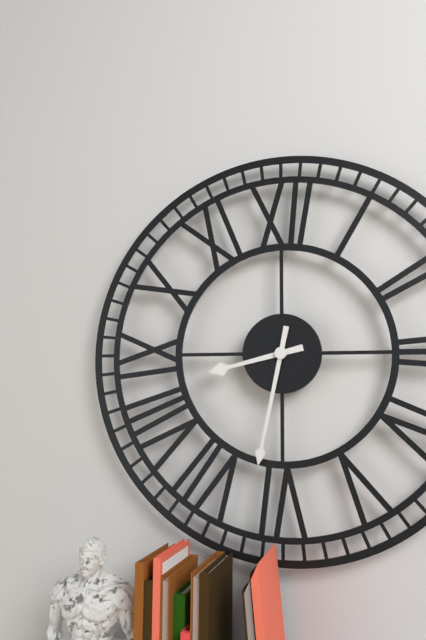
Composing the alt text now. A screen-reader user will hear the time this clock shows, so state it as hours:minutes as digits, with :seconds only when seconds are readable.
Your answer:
8:32
